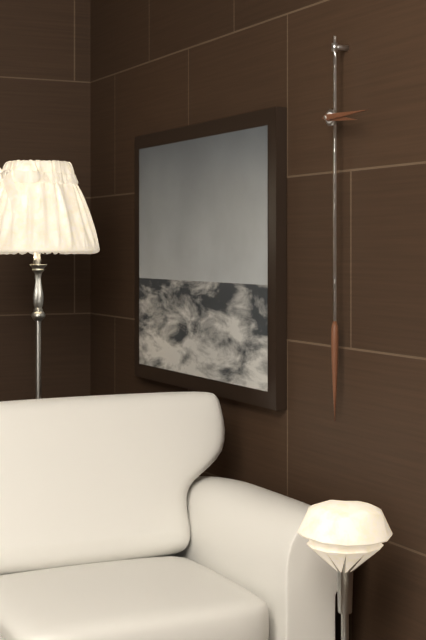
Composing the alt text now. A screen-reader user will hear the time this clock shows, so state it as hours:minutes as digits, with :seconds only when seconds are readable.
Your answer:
3:15
